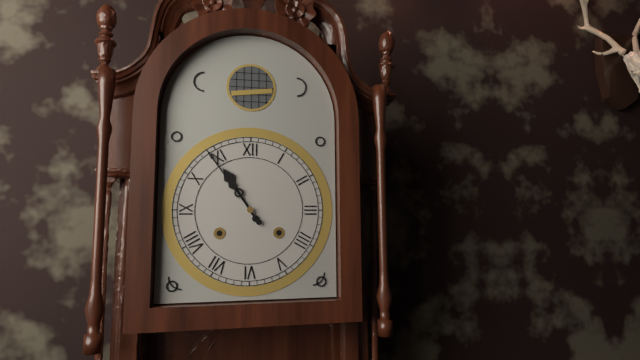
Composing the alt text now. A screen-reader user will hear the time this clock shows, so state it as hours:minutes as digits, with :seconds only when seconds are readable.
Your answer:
10:54
